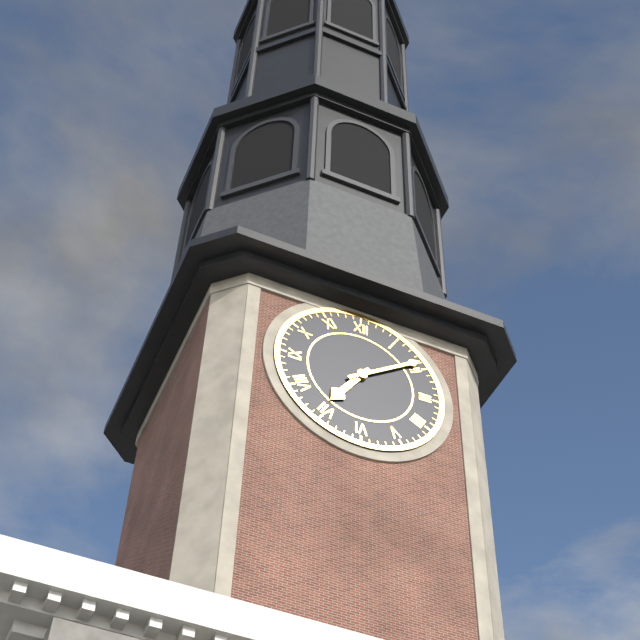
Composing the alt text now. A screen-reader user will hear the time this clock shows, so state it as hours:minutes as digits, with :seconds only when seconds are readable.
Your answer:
7:09
